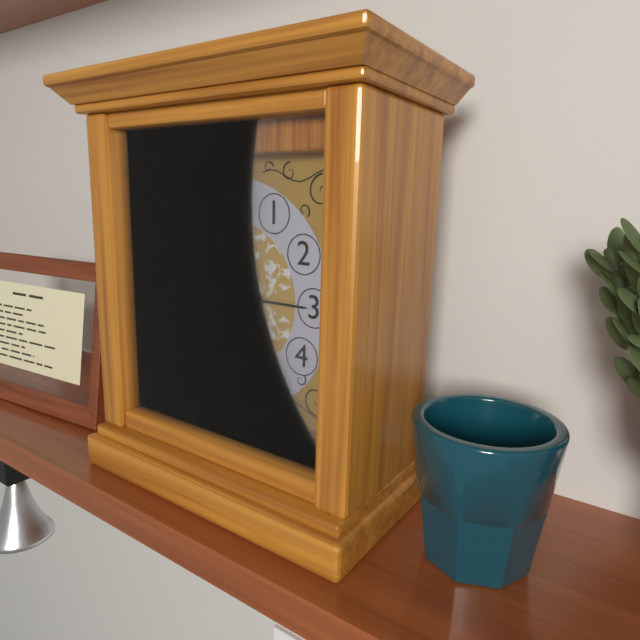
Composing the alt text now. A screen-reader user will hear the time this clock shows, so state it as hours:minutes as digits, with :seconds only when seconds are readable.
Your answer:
10:15
